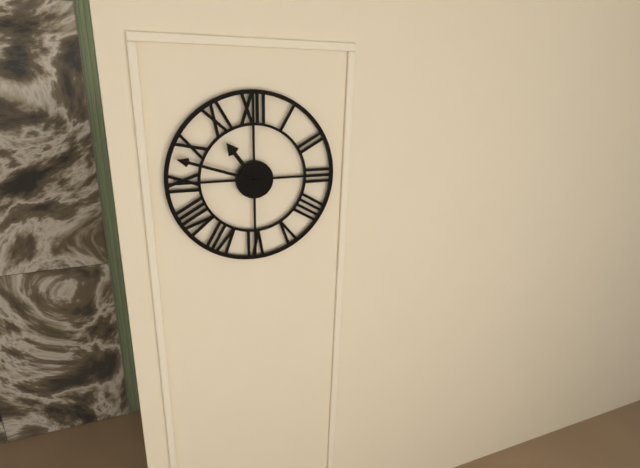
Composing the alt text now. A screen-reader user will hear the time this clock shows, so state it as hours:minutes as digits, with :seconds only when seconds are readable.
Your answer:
10:48
